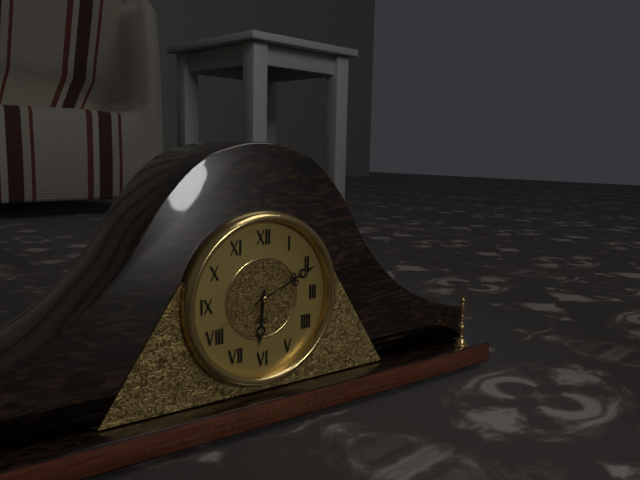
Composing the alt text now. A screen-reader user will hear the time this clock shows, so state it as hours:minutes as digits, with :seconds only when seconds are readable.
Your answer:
6:11:41
